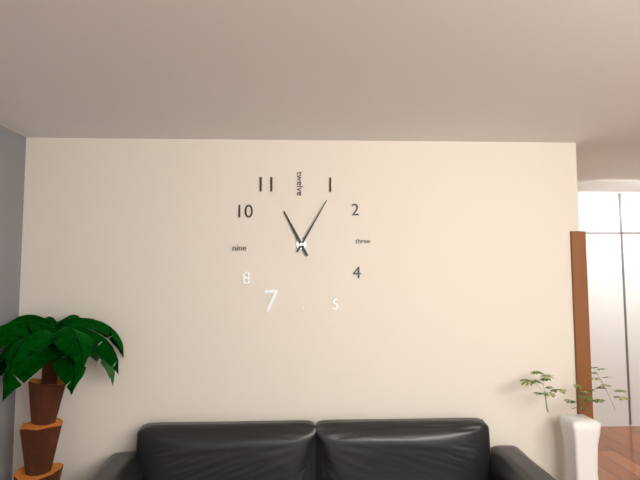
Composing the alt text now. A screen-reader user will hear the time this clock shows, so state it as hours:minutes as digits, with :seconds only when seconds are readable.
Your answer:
11:05
